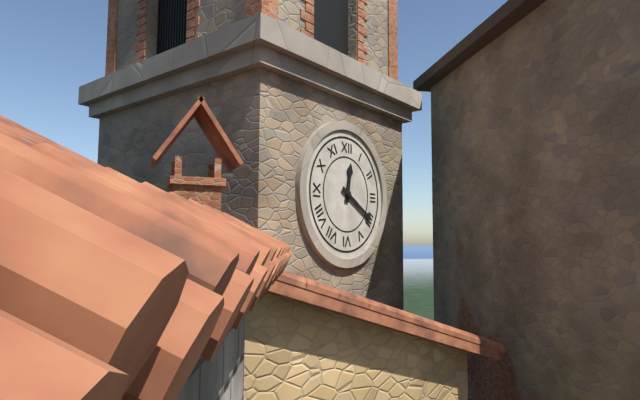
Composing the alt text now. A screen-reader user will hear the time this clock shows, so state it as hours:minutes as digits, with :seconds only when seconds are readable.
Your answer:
12:20
